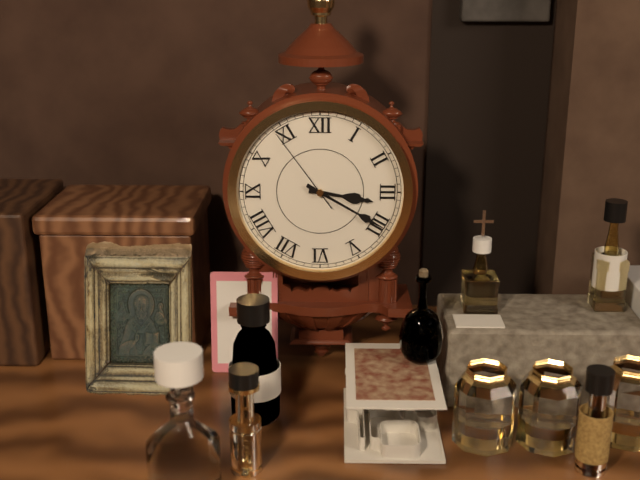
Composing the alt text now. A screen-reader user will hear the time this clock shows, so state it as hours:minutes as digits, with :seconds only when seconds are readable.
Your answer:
3:20:54
